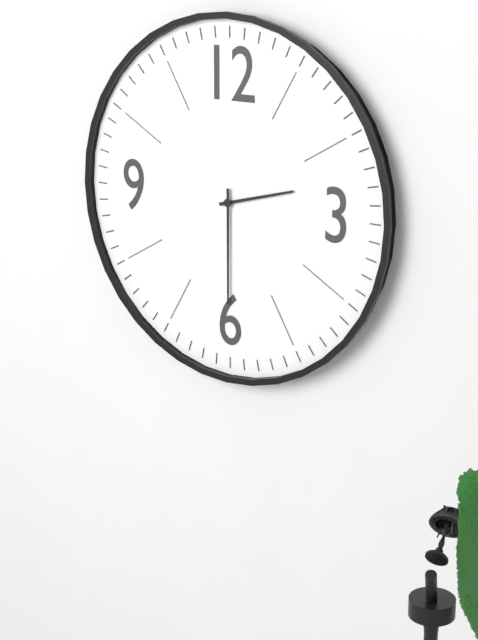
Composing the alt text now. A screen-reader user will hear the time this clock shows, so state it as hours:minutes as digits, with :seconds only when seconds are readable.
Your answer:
2:30
